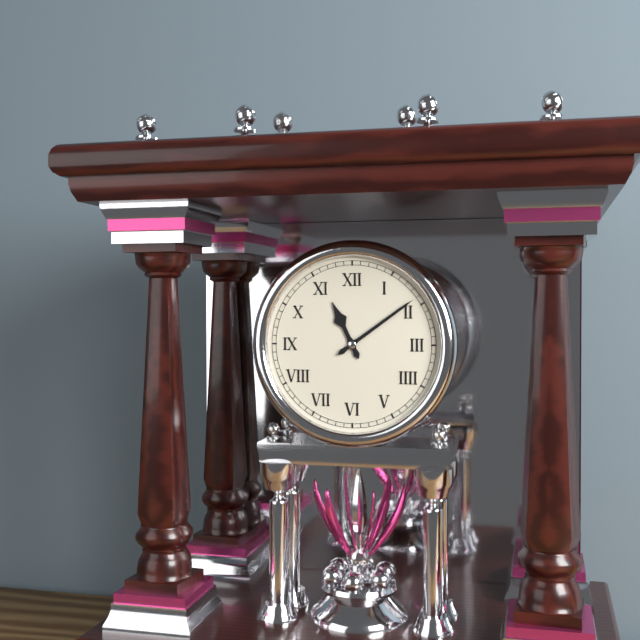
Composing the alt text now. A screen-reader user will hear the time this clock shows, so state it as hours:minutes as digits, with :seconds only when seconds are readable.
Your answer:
11:09
